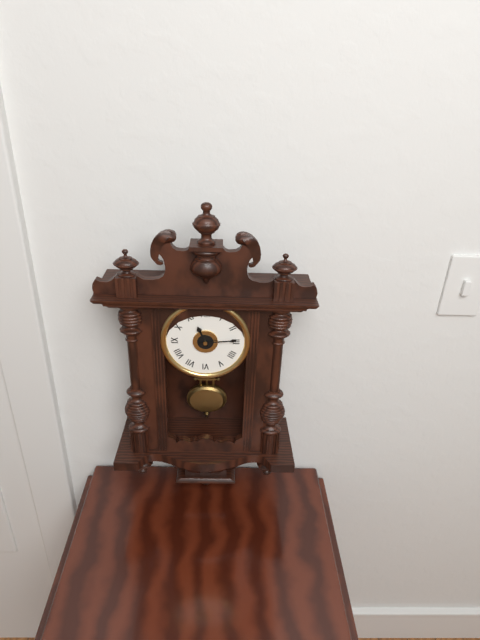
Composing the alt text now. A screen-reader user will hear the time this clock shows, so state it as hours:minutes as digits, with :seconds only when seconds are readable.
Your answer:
11:14
